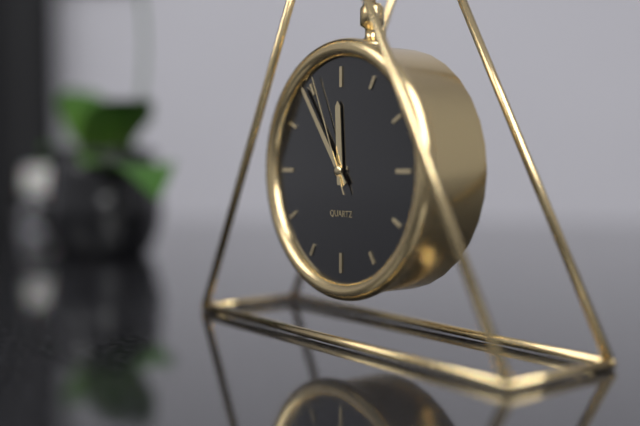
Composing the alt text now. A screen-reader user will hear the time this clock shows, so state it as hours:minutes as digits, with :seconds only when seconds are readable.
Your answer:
11:54:56
